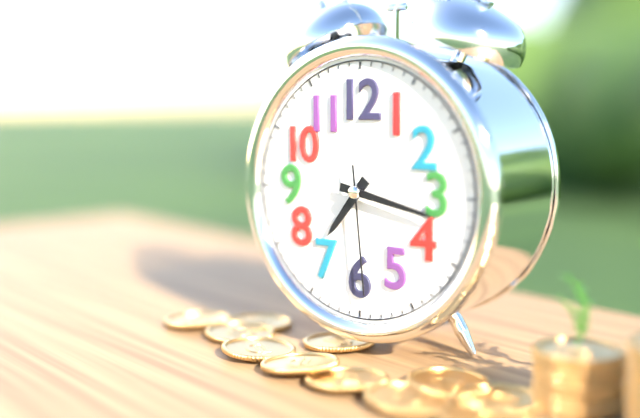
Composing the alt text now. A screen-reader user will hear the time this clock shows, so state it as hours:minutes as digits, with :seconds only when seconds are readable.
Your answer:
7:17:29
